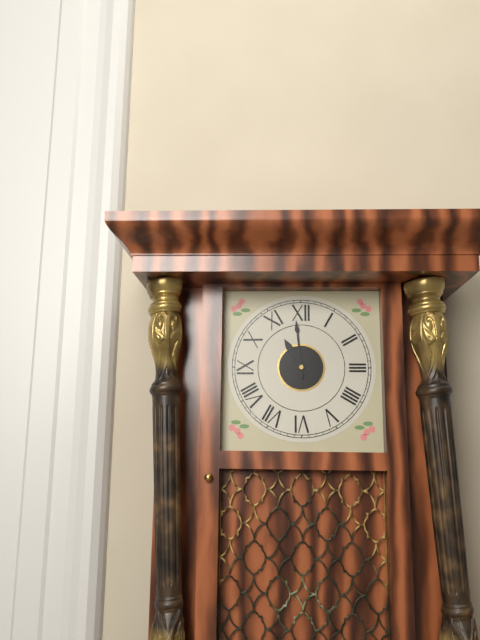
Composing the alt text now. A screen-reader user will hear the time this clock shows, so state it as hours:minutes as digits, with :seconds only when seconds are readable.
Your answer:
10:59
